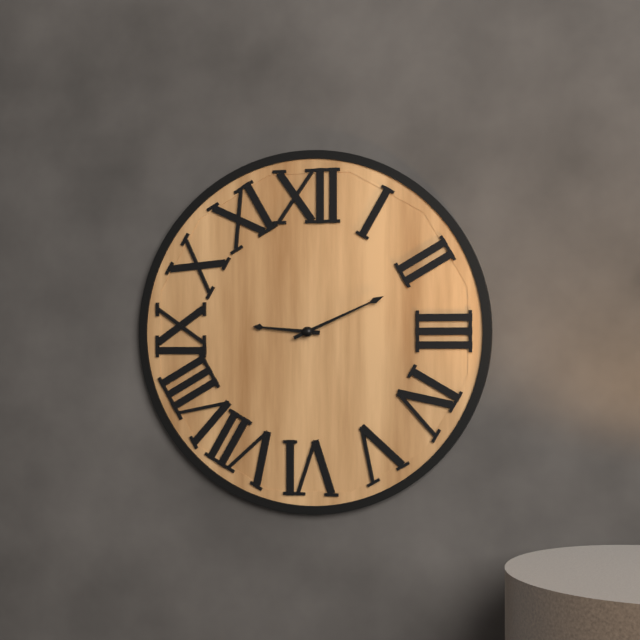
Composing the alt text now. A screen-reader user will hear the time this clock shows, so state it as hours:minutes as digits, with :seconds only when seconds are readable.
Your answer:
9:11
